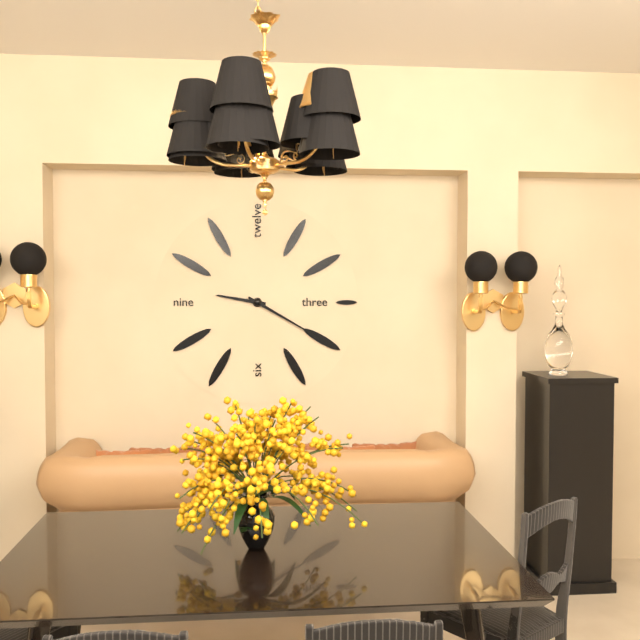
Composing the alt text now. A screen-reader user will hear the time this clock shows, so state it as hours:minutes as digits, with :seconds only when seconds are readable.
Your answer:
9:20
